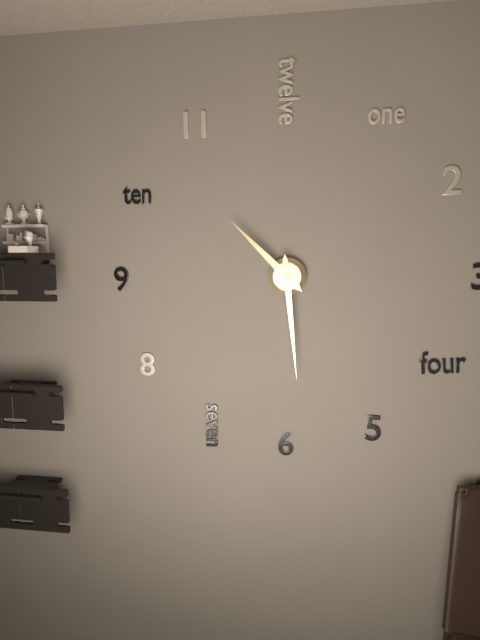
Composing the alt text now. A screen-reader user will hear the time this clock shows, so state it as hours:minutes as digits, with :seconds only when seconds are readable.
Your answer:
10:29
